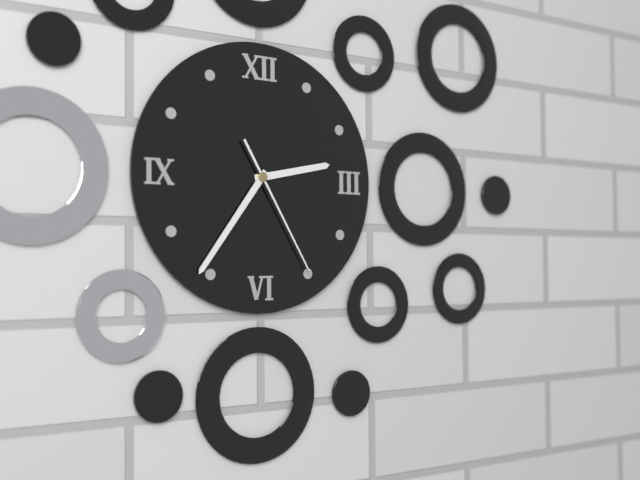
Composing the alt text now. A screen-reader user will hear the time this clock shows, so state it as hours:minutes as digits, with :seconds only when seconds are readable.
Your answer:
2:36:25
